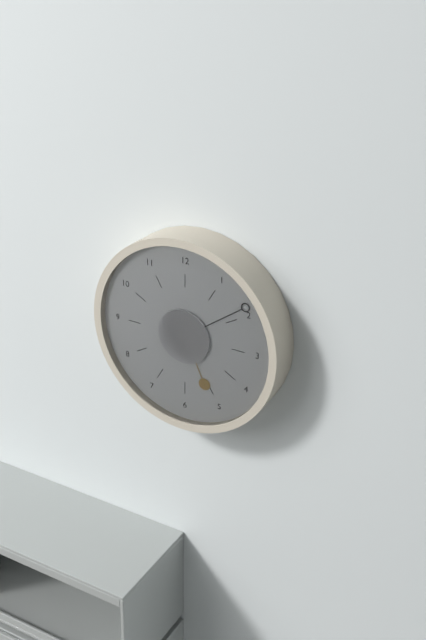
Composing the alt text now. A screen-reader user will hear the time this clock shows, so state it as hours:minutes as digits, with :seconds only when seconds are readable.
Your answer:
5:09
